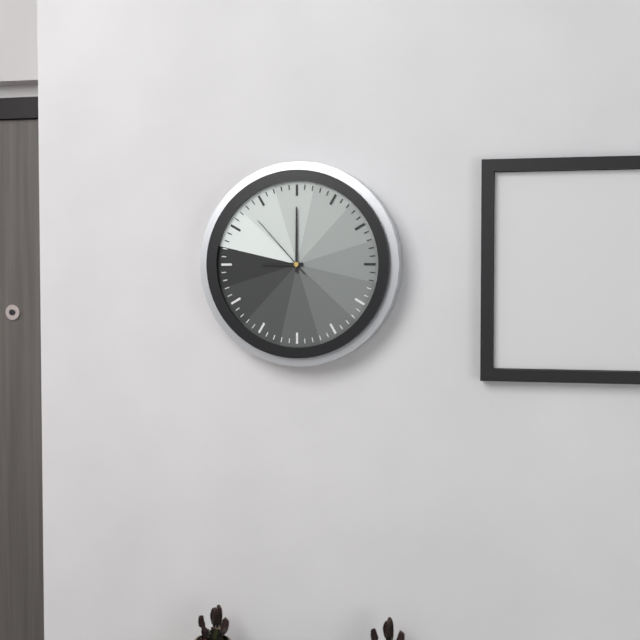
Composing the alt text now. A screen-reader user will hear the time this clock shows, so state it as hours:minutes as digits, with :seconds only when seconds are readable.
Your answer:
9:00:53
